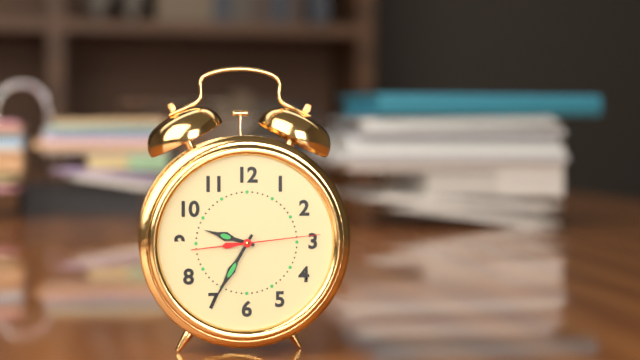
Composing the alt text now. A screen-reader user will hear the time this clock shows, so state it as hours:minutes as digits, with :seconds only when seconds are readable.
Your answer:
9:35:14
